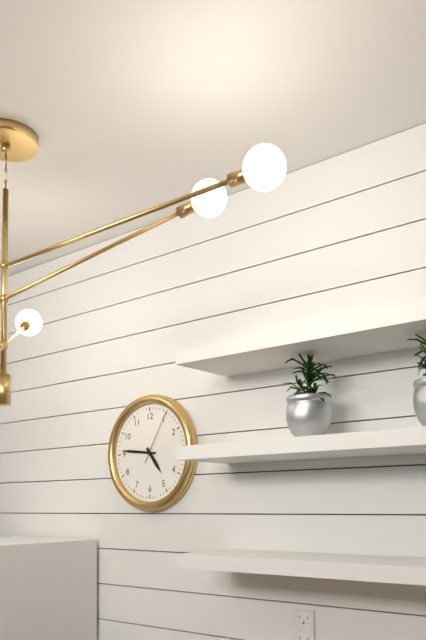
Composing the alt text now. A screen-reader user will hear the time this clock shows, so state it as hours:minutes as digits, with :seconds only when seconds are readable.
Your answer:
4:46:05
